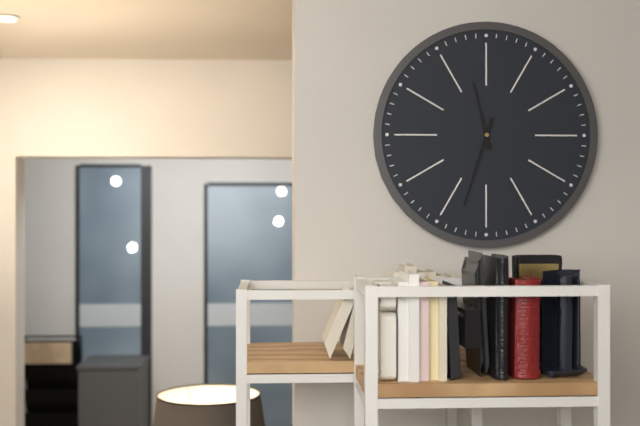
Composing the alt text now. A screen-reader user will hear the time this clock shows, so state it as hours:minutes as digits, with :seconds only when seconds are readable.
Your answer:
11:33
